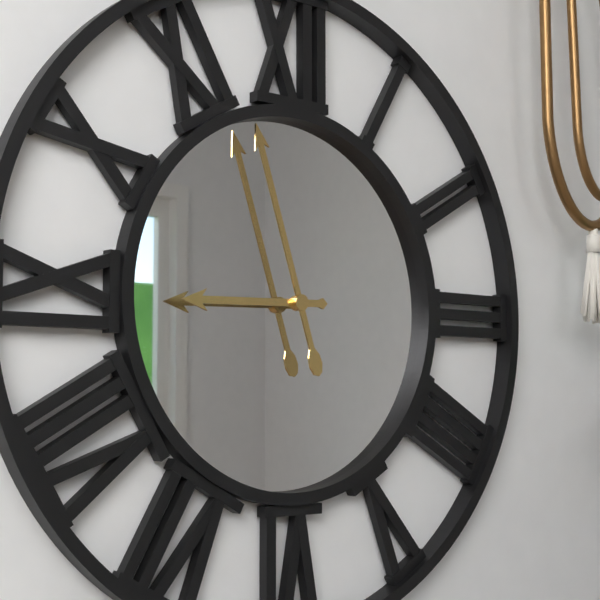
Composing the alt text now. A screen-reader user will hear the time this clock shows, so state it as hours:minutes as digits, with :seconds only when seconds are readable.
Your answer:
8:57
